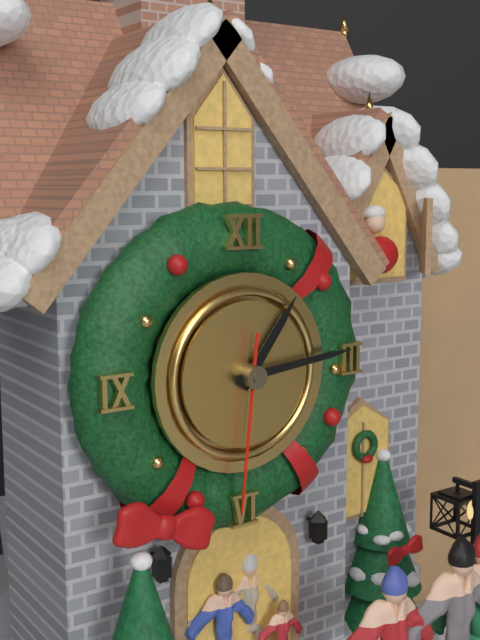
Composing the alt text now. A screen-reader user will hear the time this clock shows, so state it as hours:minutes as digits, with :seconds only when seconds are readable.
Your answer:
1:14:31
